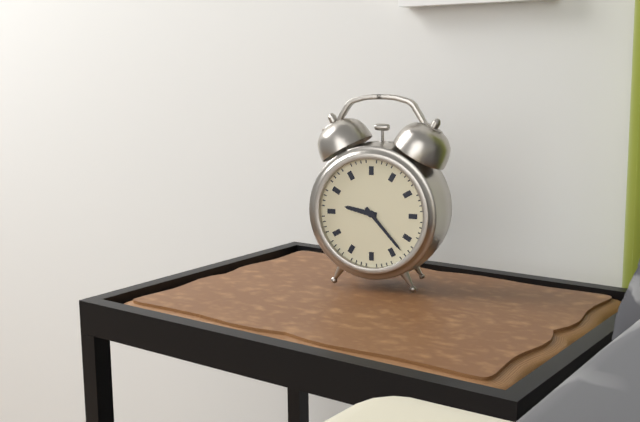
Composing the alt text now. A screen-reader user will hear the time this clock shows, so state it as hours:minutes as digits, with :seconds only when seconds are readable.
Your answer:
9:23
